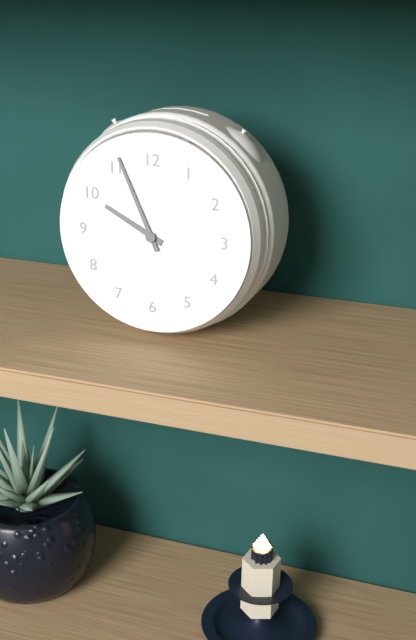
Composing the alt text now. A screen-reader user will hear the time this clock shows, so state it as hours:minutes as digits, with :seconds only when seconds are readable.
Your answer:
9:56
